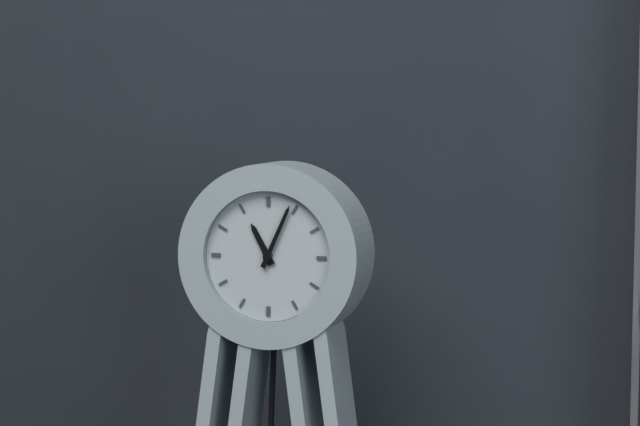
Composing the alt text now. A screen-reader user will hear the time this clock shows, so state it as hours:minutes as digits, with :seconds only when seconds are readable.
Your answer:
11:04
